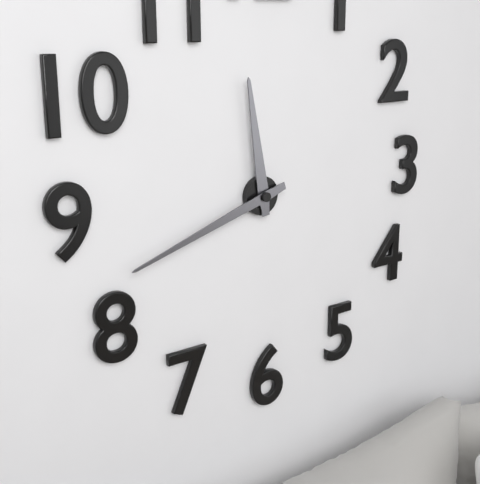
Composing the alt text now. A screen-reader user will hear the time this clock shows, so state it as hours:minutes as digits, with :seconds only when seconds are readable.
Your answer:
11:42
